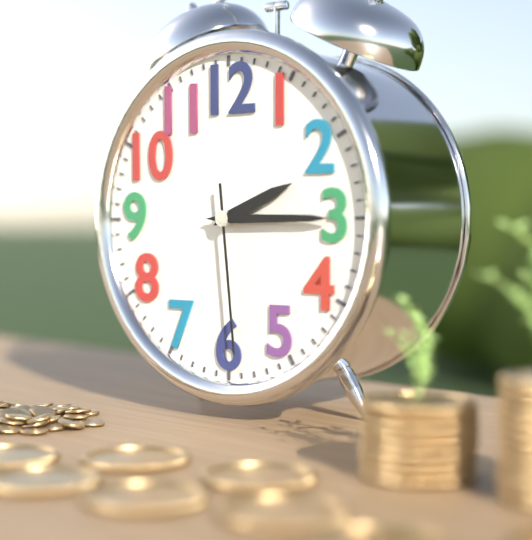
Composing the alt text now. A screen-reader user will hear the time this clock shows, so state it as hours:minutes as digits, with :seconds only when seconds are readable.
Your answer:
2:15:29
